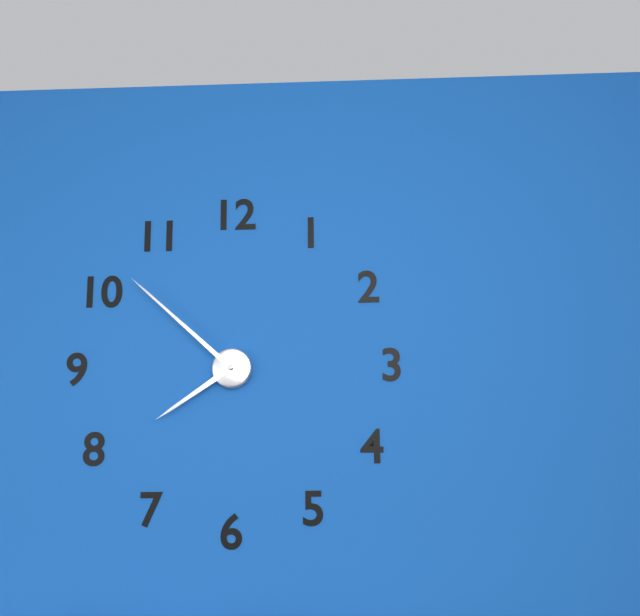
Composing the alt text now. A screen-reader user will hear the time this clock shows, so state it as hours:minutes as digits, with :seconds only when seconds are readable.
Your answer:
7:52
